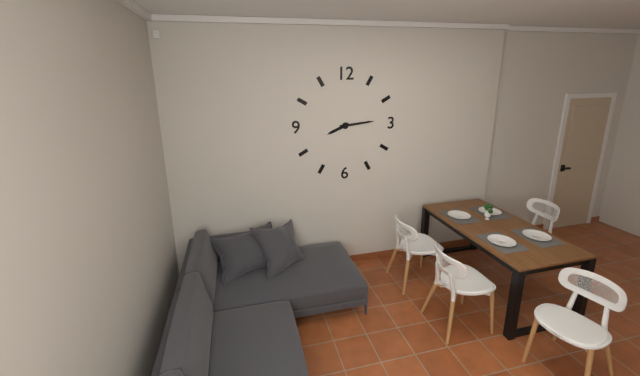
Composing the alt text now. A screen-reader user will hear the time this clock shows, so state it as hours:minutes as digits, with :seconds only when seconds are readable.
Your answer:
8:14
